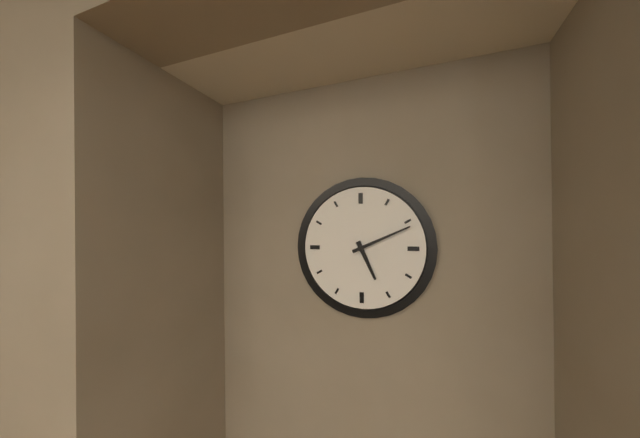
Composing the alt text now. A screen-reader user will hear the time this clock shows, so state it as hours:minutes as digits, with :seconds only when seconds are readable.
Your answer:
5:11
